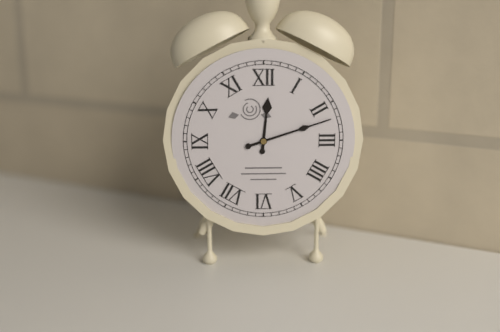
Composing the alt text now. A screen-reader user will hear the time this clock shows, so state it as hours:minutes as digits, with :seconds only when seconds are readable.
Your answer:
12:12
